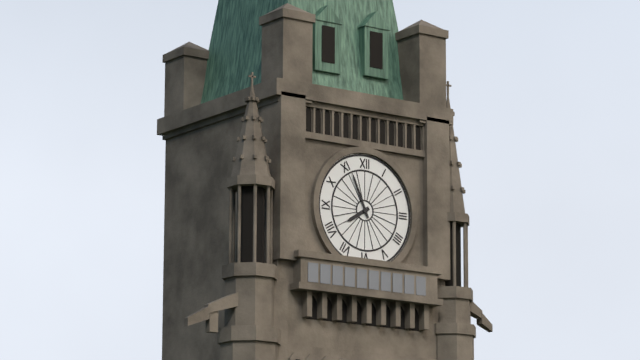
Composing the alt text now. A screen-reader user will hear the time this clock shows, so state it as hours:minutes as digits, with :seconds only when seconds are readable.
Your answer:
7:56
